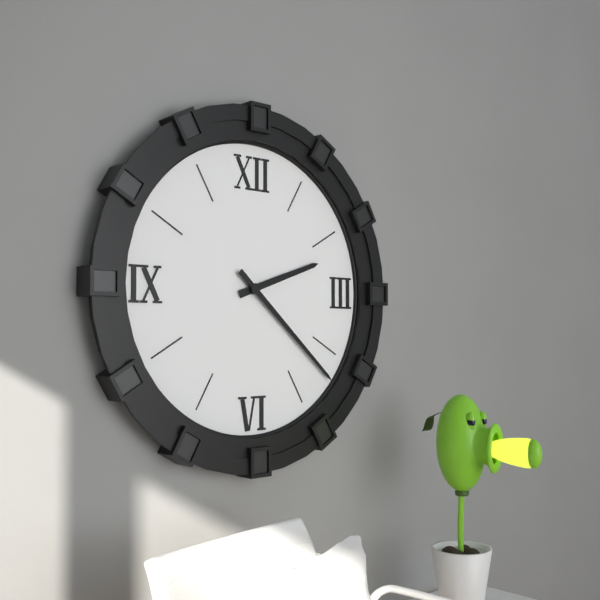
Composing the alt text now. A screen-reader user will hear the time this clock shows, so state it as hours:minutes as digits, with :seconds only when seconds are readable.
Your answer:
2:22
